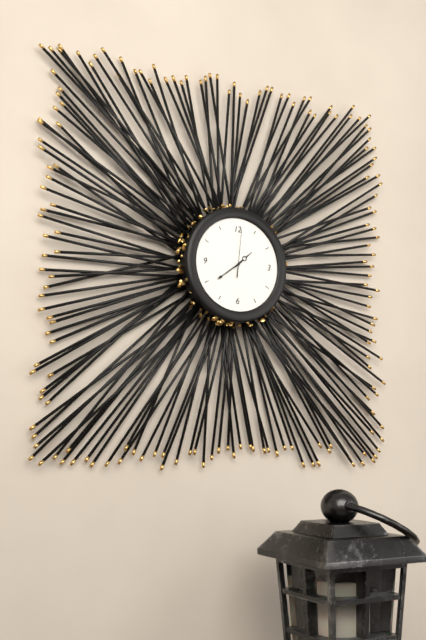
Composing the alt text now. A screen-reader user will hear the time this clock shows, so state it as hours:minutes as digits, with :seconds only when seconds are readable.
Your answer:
1:39
